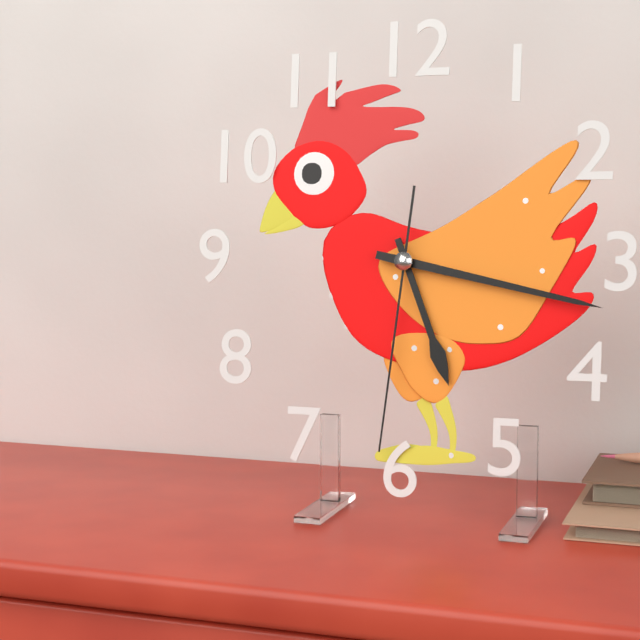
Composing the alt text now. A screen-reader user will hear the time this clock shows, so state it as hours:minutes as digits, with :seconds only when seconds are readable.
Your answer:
5:17:31
